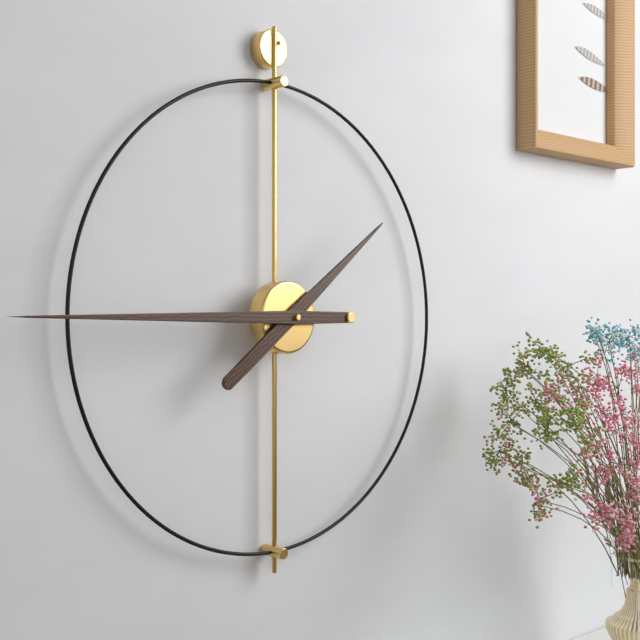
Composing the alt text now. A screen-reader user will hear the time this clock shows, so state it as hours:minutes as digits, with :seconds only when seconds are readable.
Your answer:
1:45
